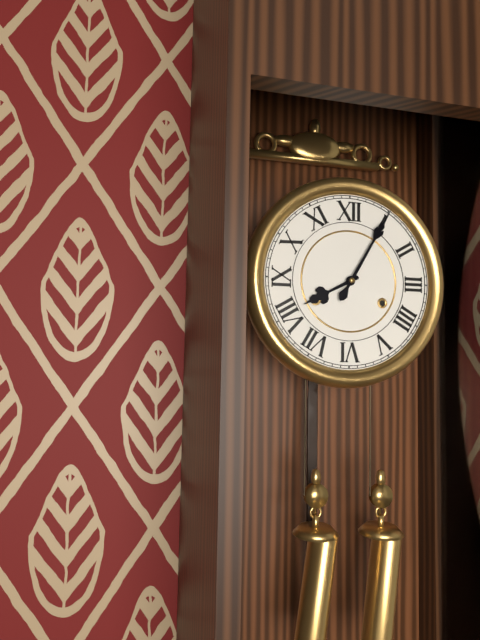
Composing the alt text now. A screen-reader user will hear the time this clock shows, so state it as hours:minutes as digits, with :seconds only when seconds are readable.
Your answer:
8:05
